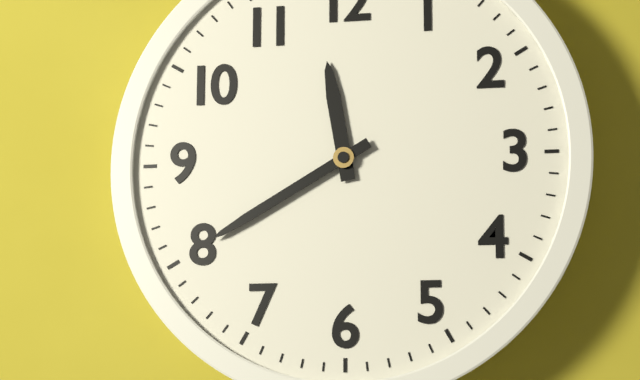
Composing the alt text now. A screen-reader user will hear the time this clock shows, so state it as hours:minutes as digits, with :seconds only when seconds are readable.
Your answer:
11:40
